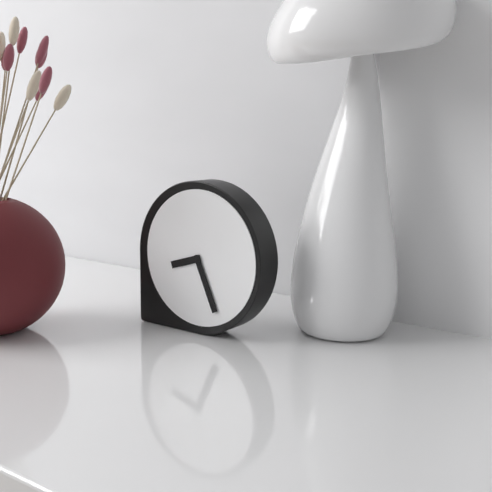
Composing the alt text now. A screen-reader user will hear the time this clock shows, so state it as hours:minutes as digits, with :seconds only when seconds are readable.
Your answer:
8:26
